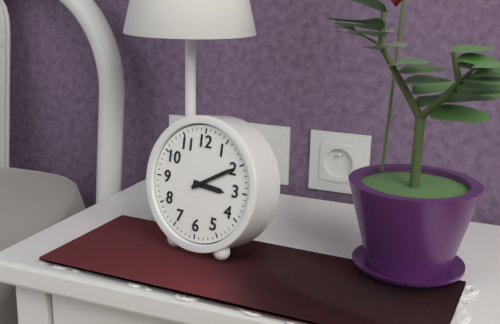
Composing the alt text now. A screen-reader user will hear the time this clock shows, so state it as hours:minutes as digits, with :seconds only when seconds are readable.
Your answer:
3:10
